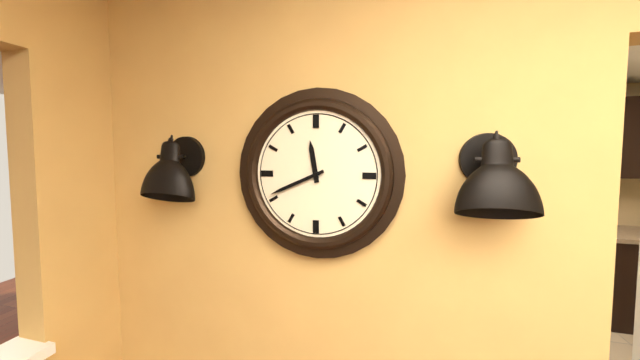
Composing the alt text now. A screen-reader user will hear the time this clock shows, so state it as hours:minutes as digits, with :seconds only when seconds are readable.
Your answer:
11:41
